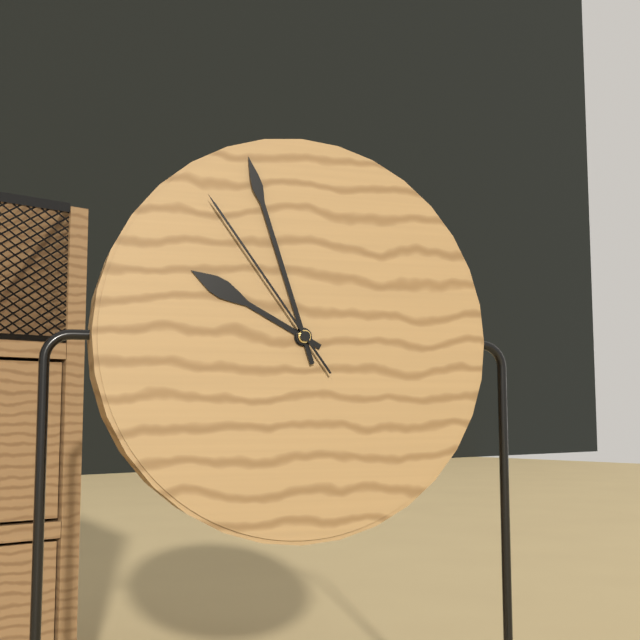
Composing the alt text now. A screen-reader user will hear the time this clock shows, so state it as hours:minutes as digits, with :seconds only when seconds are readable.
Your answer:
9:57:54
